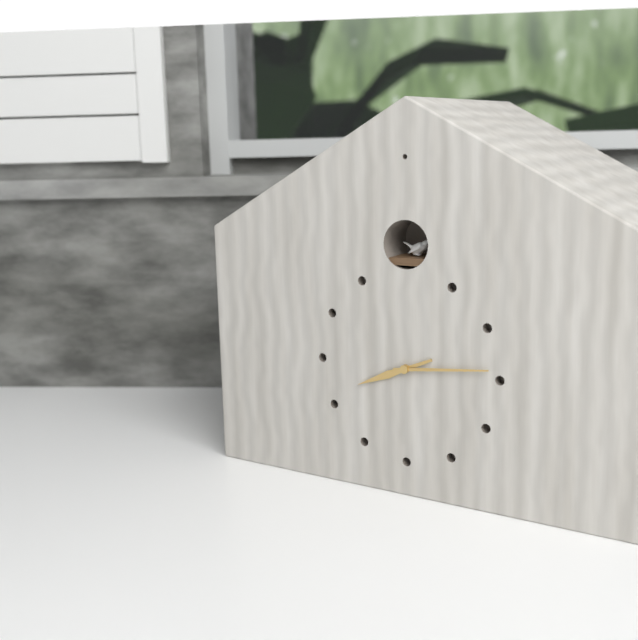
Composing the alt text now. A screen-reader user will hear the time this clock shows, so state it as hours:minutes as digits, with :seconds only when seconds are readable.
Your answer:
8:14
